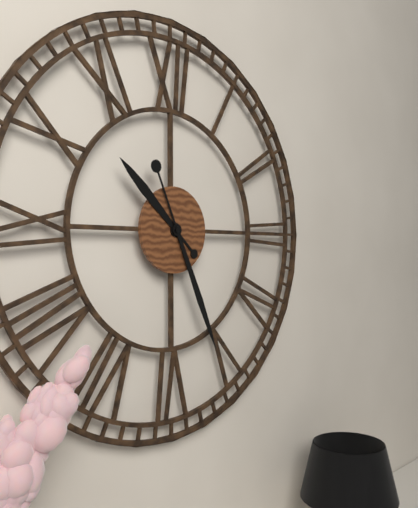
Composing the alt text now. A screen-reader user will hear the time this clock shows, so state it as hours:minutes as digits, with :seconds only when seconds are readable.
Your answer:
10:26
